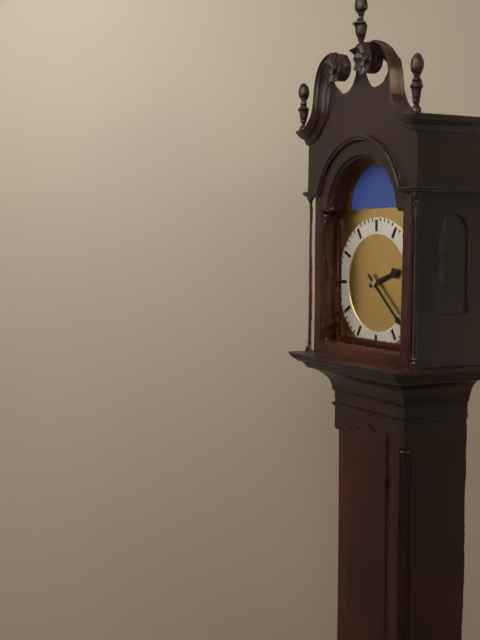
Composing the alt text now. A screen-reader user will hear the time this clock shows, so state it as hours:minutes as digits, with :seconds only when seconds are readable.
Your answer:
2:22
